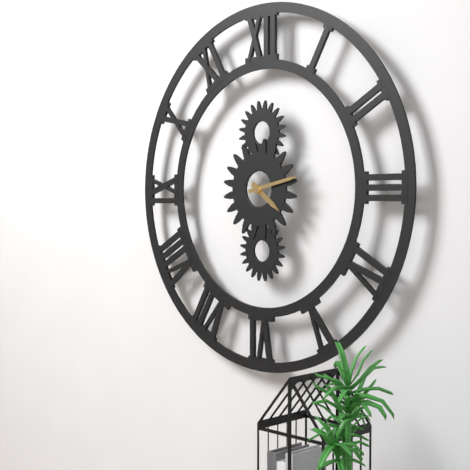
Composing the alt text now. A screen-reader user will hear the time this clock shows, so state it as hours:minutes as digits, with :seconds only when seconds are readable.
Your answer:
4:13
